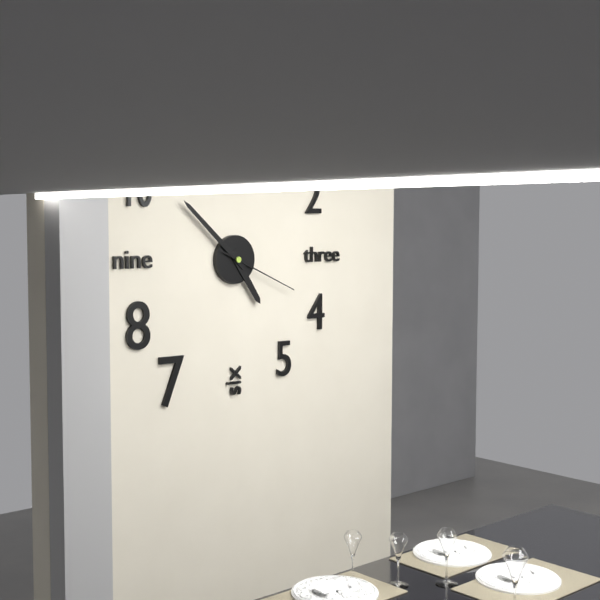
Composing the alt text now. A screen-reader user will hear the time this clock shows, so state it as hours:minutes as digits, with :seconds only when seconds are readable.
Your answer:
4:52:19
